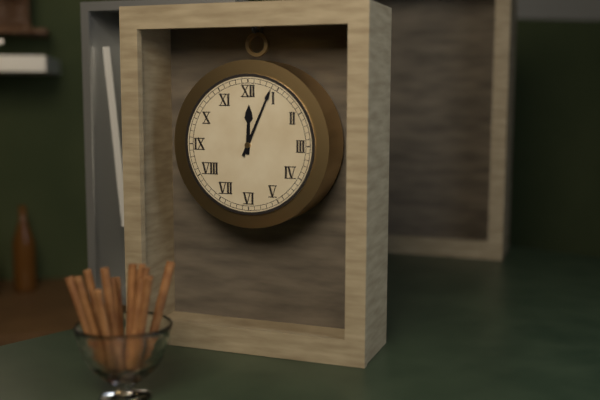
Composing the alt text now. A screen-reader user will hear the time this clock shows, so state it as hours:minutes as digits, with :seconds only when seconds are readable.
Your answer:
12:04
